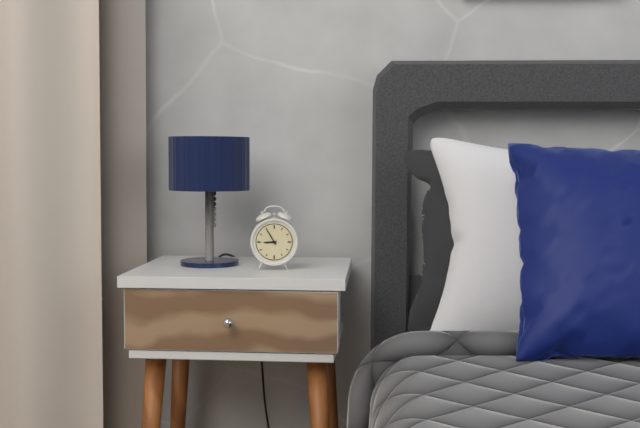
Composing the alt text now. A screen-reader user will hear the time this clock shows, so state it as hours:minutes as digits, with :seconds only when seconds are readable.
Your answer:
8:55
